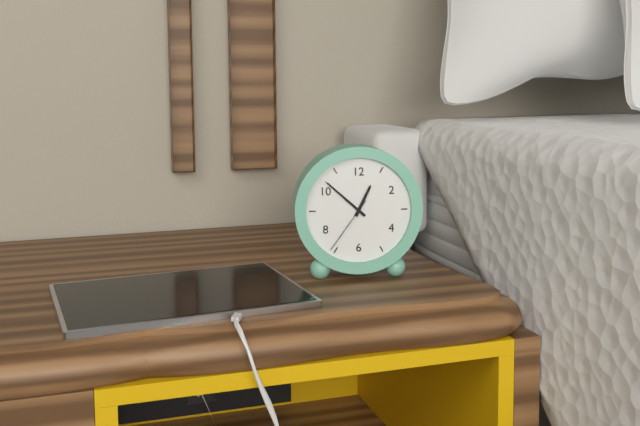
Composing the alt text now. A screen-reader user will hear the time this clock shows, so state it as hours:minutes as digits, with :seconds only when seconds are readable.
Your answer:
12:52:36
